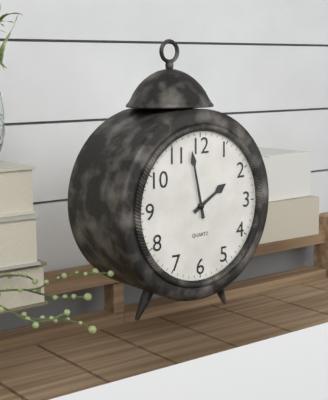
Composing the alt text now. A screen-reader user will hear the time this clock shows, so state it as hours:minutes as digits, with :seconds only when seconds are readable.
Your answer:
1:58
